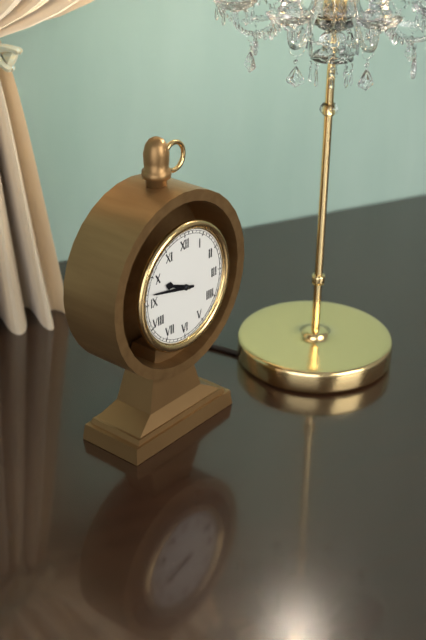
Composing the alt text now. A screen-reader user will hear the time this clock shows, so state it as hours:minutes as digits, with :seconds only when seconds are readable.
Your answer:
9:47
